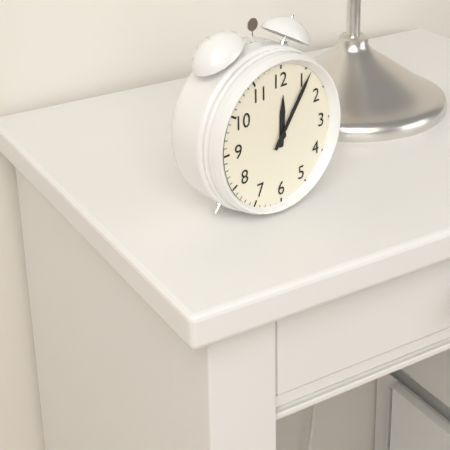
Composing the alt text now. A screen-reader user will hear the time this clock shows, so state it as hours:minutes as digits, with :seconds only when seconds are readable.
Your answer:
12:06
